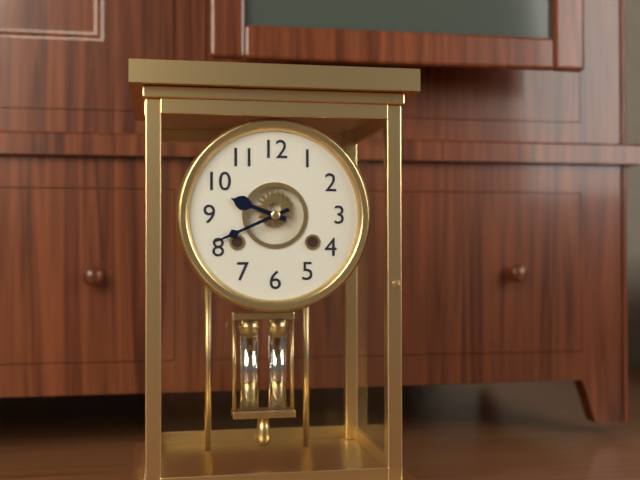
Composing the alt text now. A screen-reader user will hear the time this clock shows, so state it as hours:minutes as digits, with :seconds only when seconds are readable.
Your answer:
9:41
